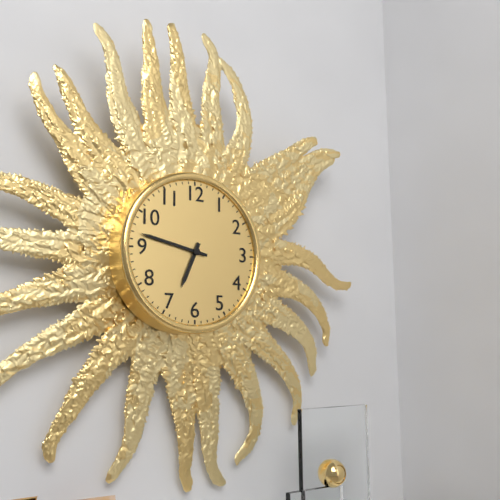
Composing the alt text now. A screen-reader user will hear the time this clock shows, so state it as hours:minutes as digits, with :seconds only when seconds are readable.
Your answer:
6:47
